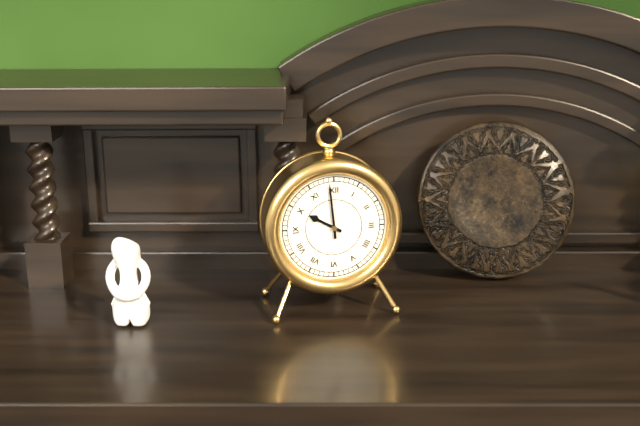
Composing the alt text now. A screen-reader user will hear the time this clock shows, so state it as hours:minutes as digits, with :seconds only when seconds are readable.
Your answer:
9:59
